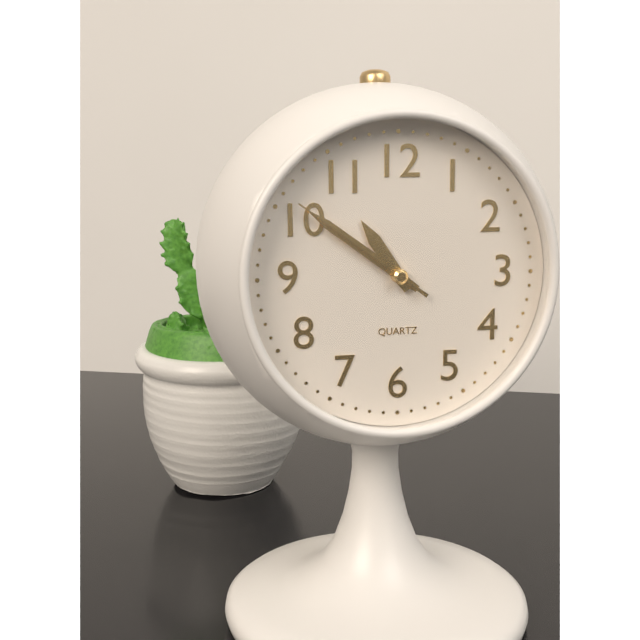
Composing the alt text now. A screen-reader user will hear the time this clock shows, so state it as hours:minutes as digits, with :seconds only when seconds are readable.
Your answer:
10:51:51
